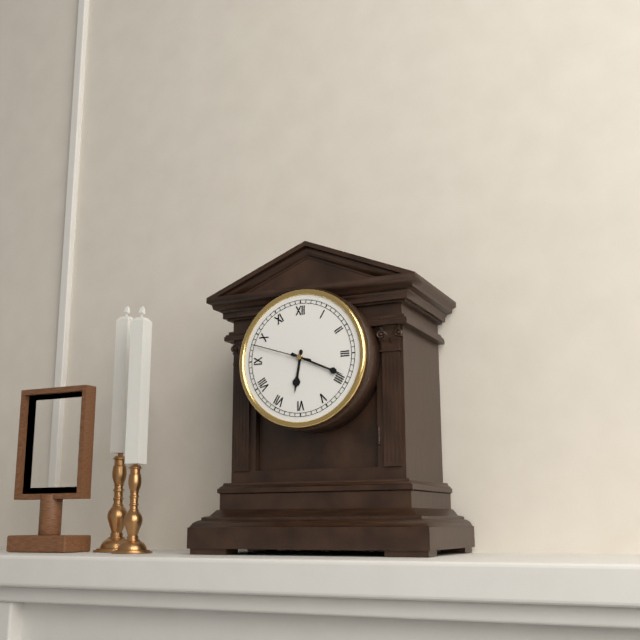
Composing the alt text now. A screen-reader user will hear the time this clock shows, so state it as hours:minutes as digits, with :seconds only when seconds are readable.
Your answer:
6:19:48
